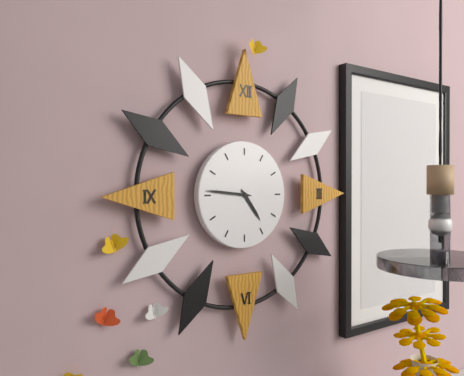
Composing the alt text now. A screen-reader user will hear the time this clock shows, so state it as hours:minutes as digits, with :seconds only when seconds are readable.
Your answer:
4:46
